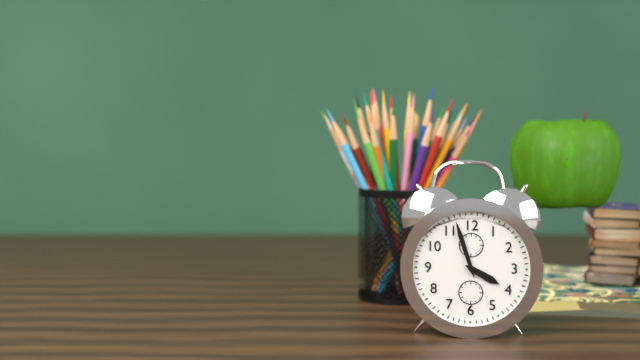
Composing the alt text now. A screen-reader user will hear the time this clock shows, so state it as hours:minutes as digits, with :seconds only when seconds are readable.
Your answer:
3:57
